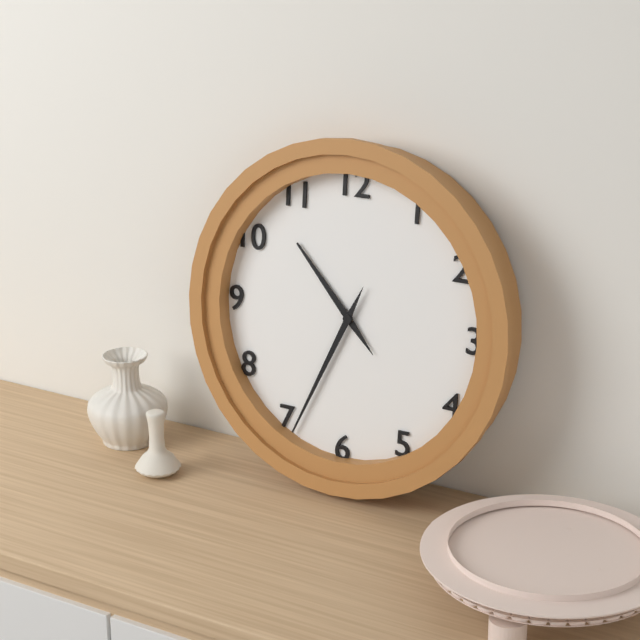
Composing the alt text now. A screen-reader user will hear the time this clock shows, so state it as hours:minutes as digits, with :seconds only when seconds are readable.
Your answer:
10:34
